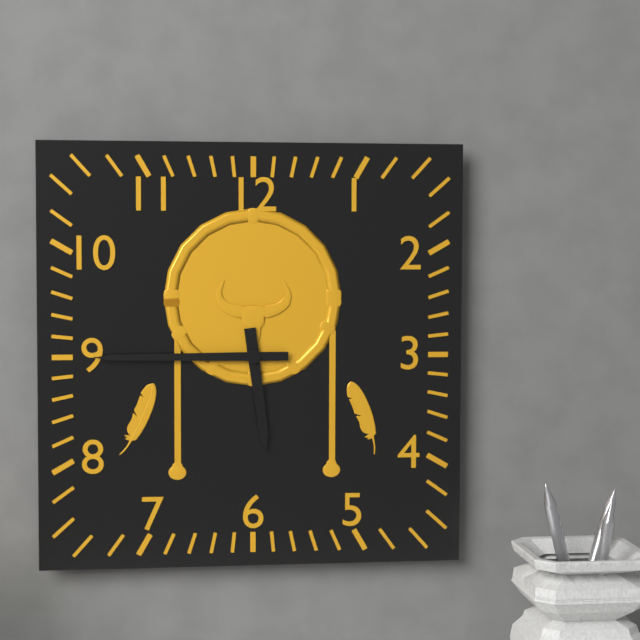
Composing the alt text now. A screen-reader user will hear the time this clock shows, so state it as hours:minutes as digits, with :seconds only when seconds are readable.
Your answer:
5:45
